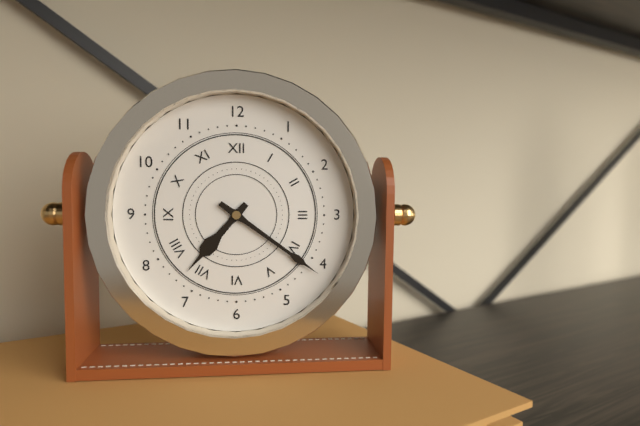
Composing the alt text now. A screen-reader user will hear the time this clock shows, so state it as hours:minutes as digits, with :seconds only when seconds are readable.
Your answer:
7:21
